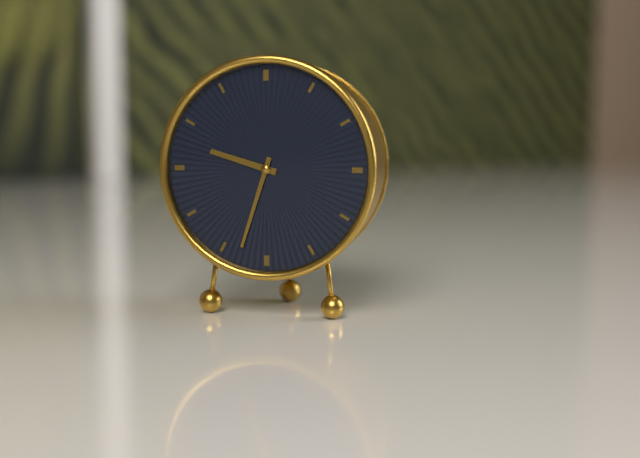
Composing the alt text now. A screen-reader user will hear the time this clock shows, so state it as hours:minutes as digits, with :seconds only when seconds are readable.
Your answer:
9:33
